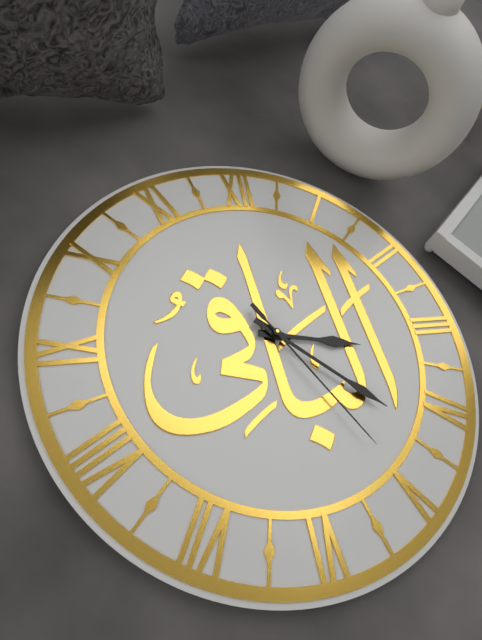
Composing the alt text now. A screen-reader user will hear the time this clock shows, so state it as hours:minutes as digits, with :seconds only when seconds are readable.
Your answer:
3:22:25
